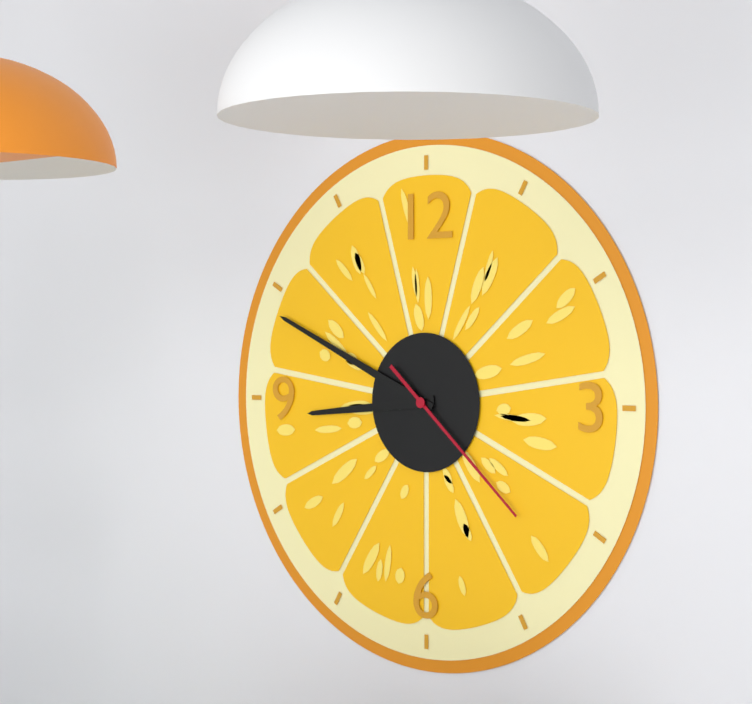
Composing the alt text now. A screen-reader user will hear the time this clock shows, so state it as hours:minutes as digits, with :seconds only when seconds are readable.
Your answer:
8:49:22
